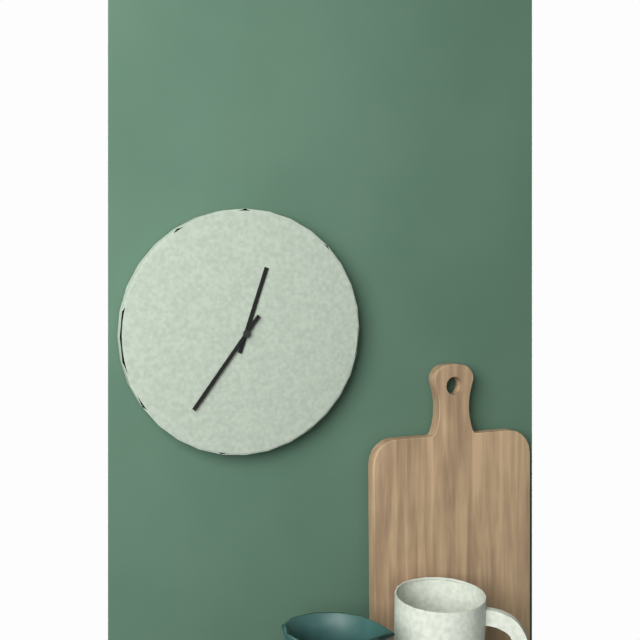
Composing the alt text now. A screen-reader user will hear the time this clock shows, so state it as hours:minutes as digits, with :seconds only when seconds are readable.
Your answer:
12:36
